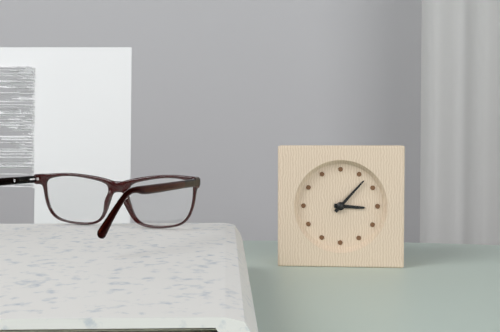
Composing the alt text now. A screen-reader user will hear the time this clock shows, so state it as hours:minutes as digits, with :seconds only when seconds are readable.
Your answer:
3:07
